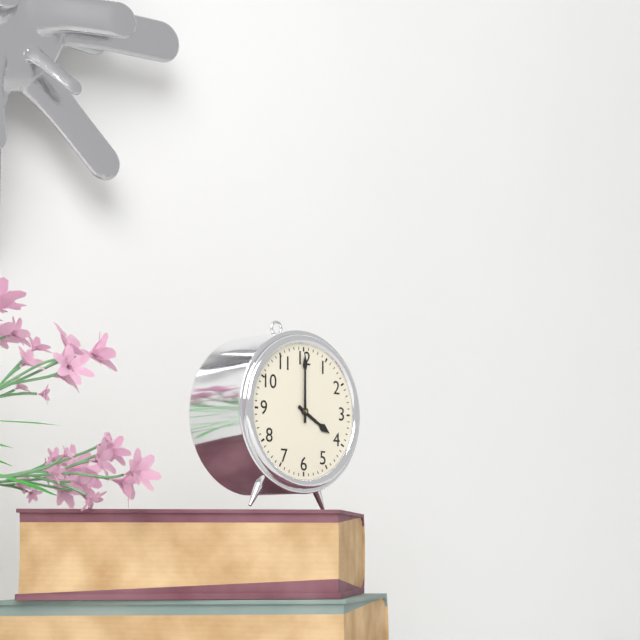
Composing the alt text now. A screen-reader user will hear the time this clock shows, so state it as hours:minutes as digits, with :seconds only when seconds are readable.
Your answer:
4:00
